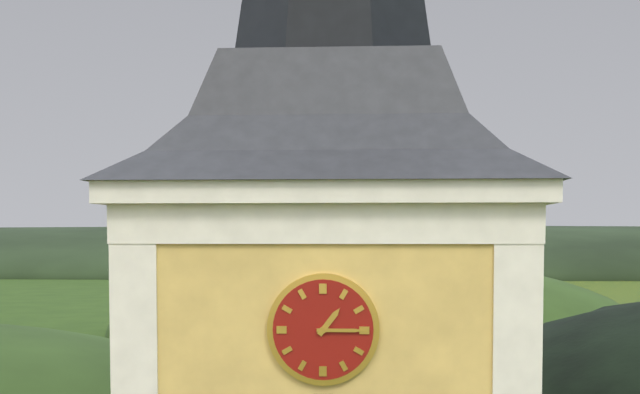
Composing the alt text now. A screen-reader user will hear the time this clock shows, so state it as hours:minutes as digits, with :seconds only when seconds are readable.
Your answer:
1:15
